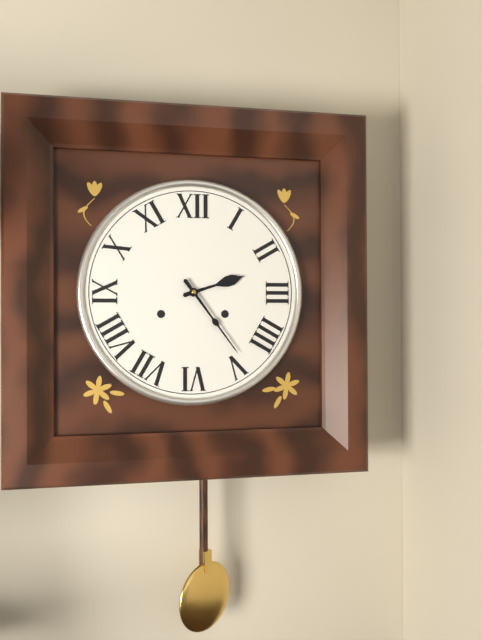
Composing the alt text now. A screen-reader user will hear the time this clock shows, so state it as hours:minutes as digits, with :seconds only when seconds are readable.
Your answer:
2:24
